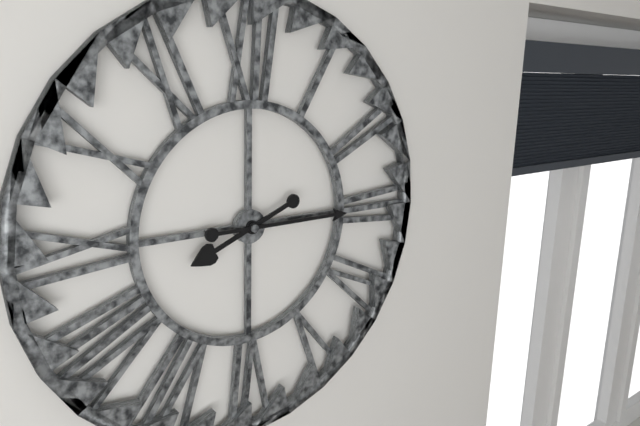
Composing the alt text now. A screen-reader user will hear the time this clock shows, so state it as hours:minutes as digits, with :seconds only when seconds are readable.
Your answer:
8:15
